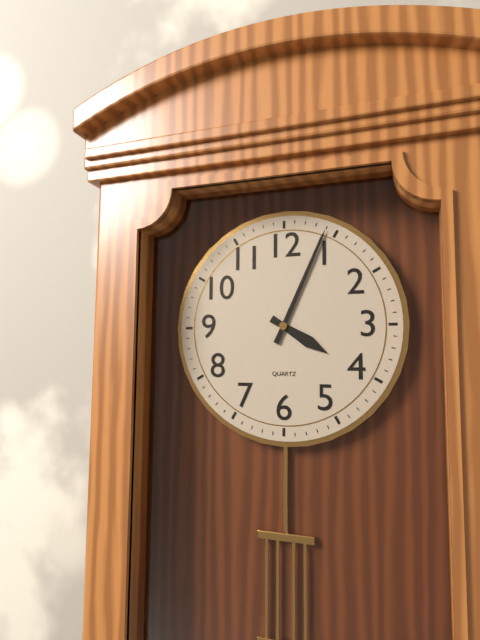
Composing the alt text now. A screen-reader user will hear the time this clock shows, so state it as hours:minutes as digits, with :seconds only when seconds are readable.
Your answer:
4:04
